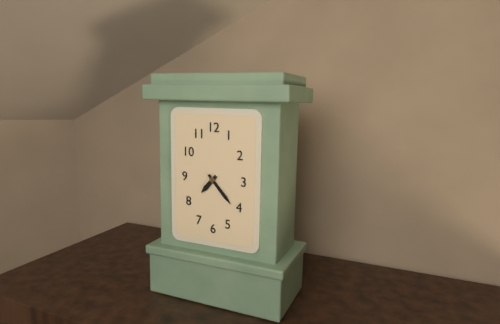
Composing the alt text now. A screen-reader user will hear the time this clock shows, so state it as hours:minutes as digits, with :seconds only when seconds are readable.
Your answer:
7:23
